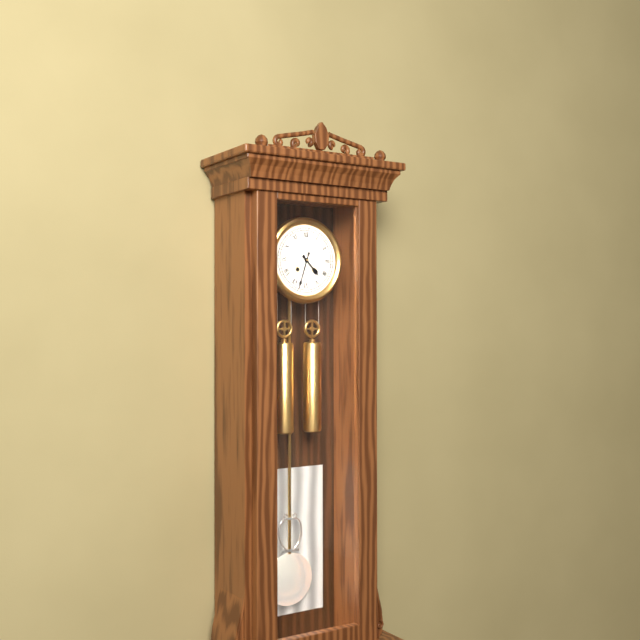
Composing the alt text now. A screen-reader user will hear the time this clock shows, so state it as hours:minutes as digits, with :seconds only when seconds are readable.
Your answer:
4:33
